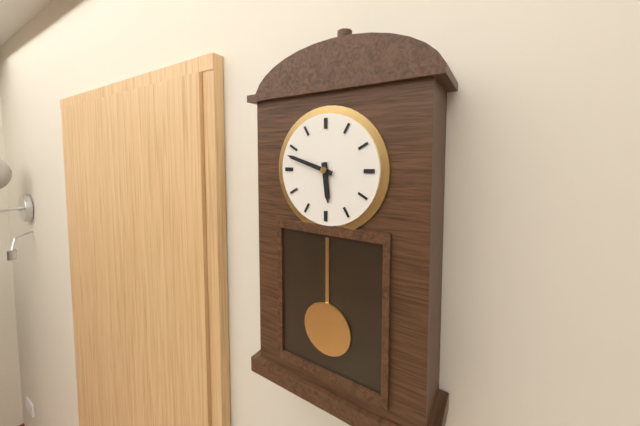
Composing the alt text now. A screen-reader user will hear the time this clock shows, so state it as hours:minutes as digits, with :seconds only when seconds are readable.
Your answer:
5:48
